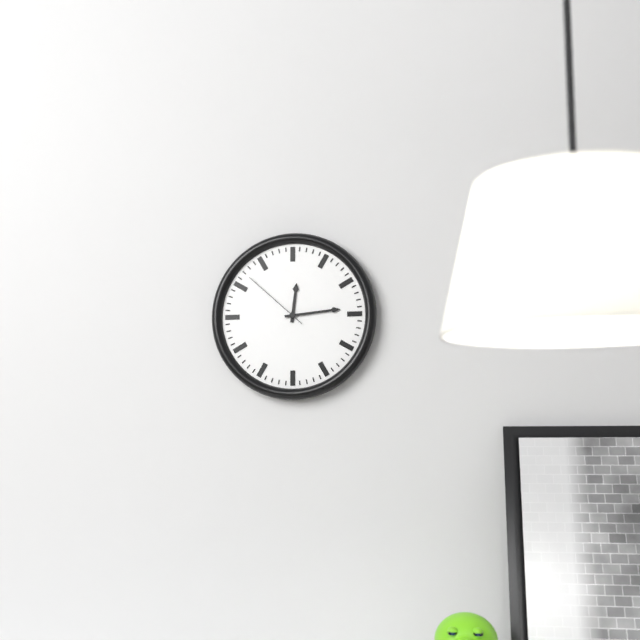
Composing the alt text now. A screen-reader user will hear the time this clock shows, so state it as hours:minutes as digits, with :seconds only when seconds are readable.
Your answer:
12:14:52
